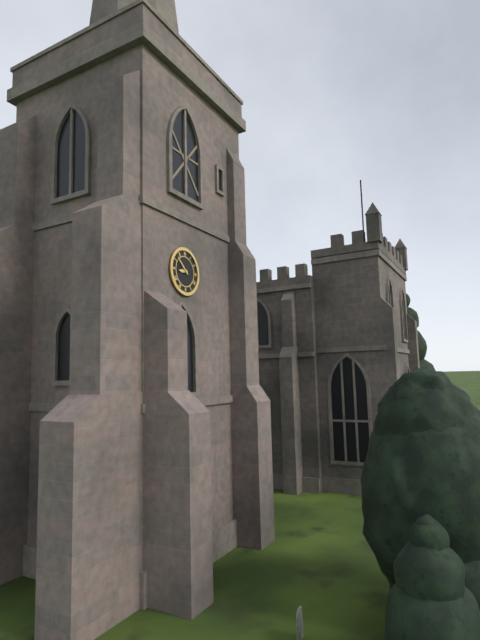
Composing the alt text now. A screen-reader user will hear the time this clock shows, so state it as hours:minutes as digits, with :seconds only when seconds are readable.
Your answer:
8:52
